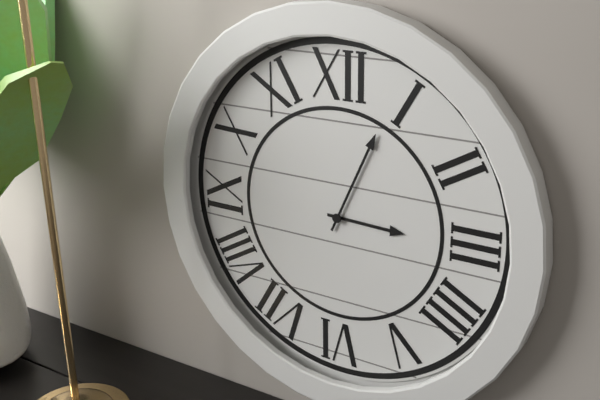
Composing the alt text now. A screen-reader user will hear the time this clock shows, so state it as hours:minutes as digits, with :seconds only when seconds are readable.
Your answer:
3:04
